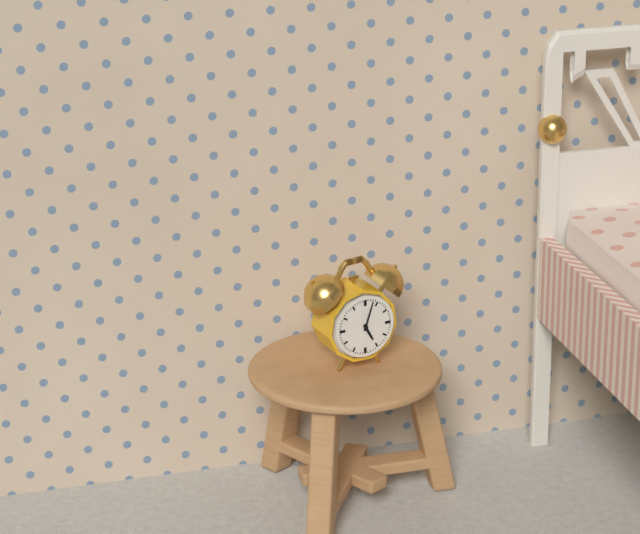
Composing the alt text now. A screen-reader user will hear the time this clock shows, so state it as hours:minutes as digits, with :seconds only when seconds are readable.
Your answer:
5:03
